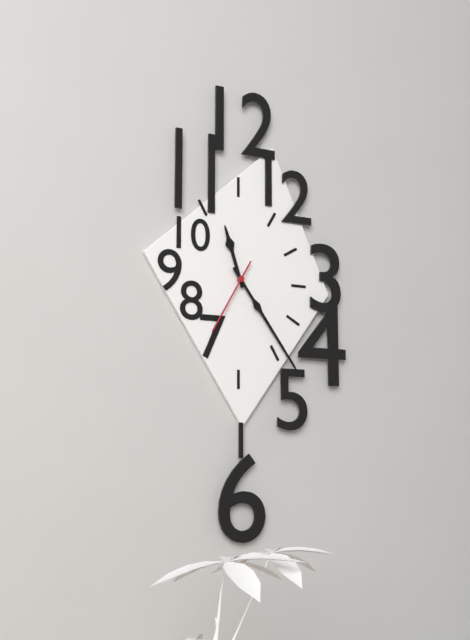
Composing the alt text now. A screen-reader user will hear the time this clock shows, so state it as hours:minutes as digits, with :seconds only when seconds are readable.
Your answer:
11:24:35
